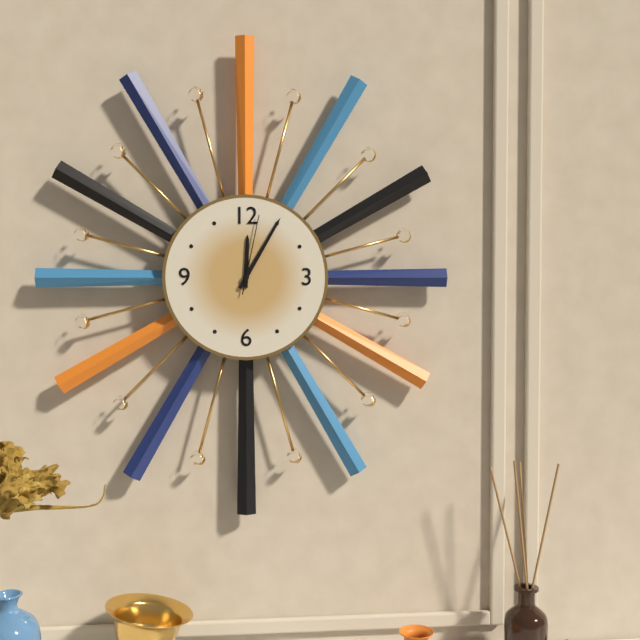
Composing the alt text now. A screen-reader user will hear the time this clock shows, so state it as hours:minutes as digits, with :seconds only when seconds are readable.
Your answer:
12:05:02
